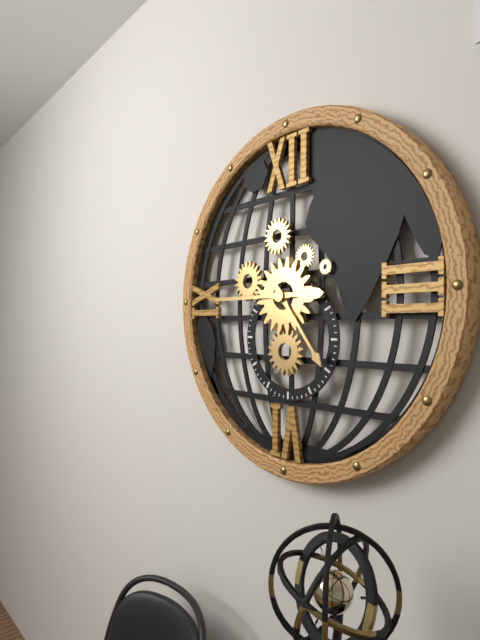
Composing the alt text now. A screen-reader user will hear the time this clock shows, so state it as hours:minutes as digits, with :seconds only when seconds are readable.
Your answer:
4:45
